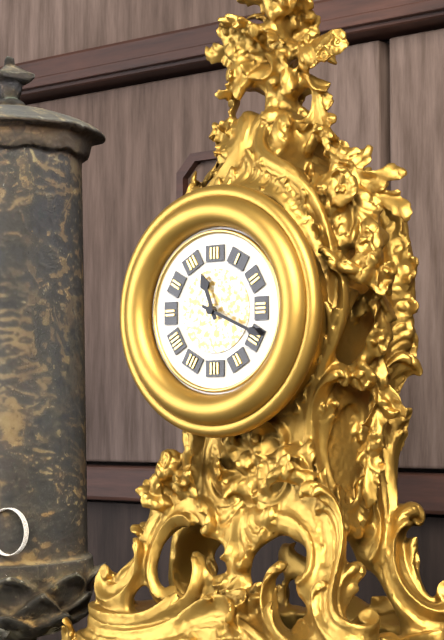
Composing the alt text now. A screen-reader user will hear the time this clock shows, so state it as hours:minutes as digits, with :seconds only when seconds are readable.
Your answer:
11:19
